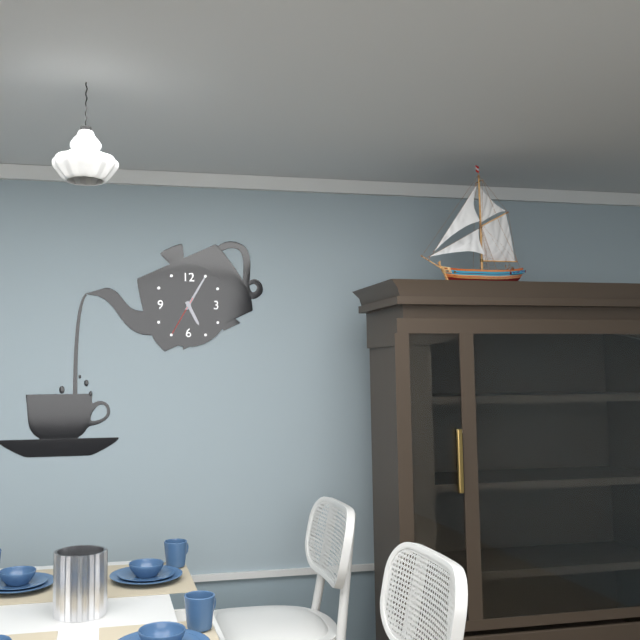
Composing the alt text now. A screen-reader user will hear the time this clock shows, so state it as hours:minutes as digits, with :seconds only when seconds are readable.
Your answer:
5:05
